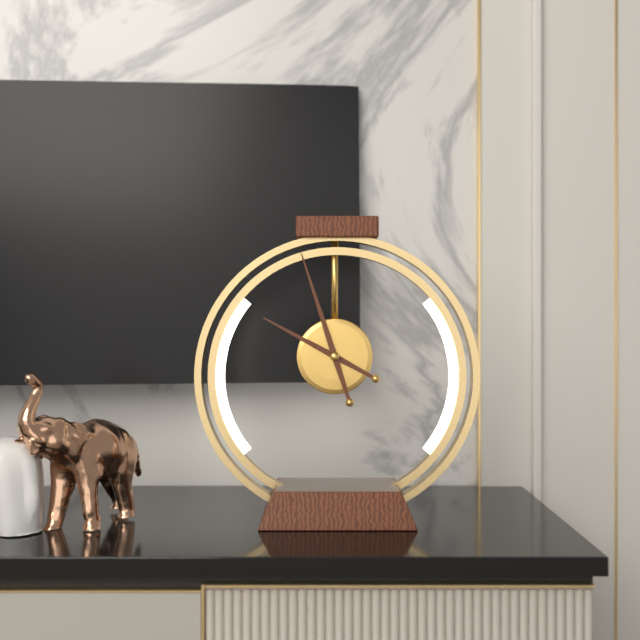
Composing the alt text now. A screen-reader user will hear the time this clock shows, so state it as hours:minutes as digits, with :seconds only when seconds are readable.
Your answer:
9:57
